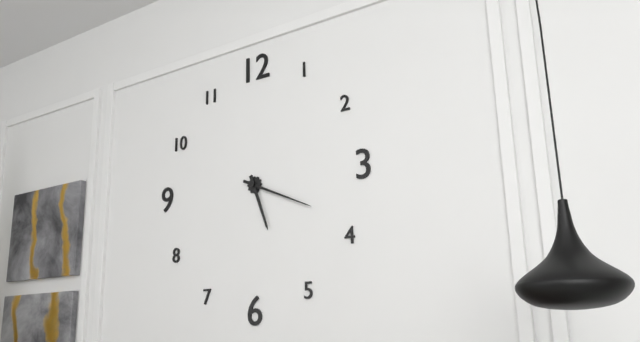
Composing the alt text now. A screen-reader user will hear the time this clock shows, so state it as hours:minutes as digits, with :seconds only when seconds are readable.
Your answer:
5:19
